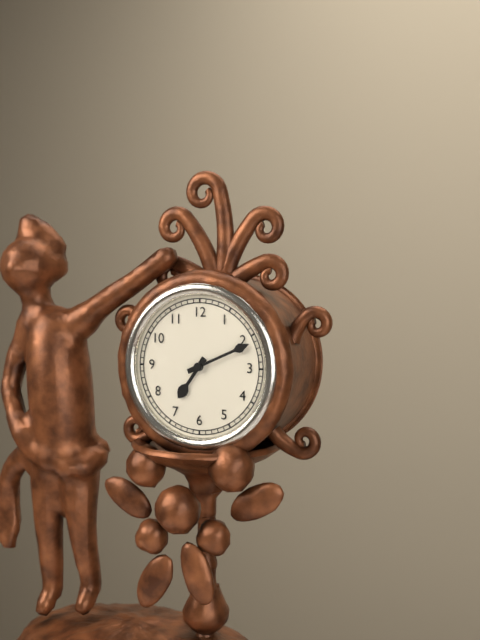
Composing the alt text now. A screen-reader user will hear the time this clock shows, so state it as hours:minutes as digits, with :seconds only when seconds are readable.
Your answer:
7:11
